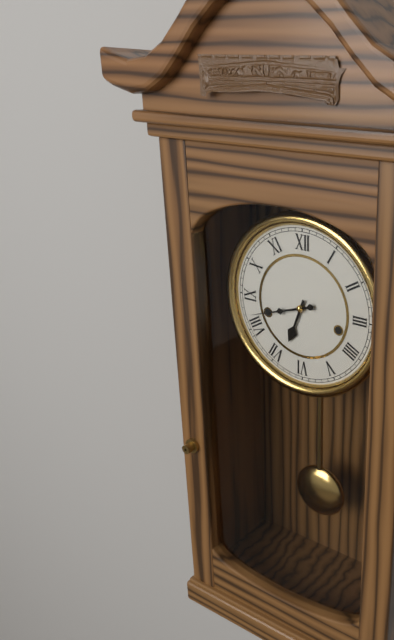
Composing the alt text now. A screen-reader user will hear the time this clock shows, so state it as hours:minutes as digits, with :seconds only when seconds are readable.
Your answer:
6:42
